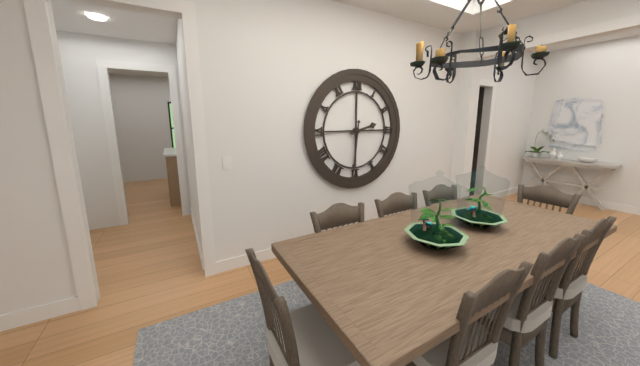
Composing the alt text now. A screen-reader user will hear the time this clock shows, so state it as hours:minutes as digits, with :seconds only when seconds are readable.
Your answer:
2:31
